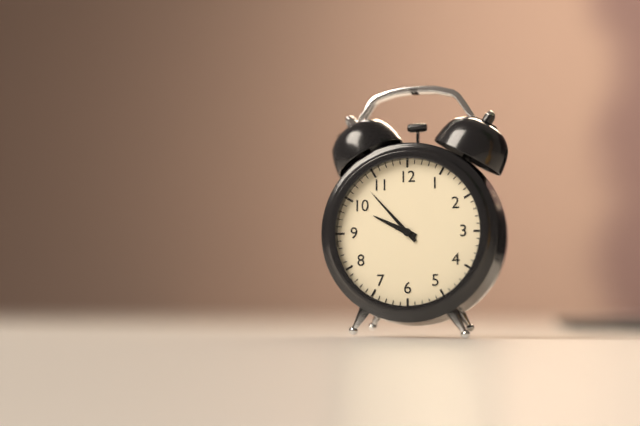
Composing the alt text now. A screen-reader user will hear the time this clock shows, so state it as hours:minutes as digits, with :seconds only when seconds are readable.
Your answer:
9:53
